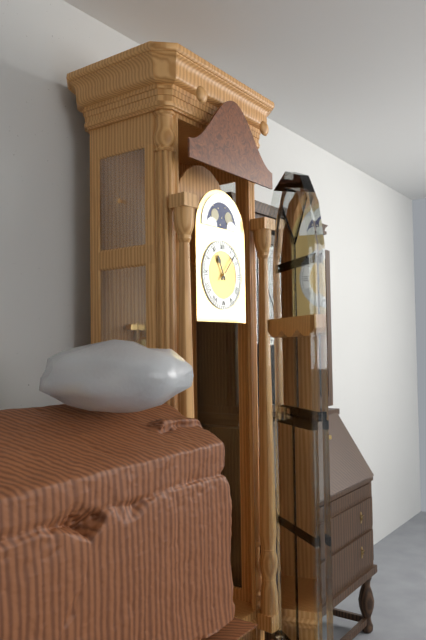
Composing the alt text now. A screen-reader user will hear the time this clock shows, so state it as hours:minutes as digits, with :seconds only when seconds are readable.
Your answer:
11:07
